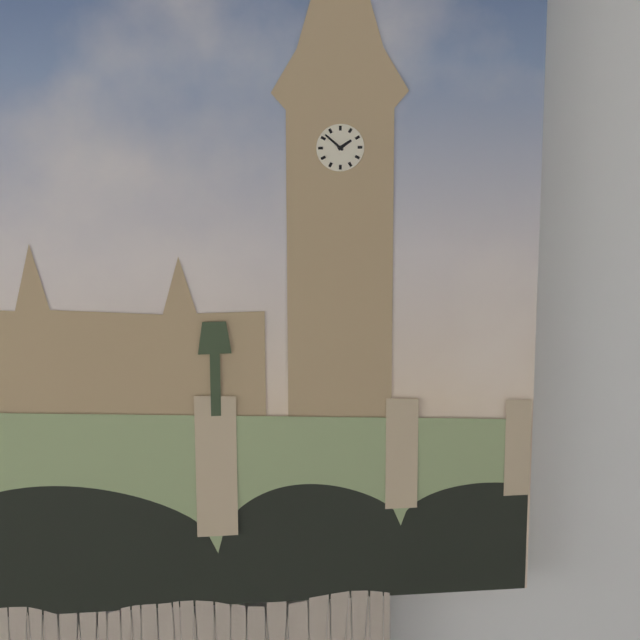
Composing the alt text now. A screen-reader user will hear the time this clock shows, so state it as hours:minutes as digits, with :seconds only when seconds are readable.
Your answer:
1:52
